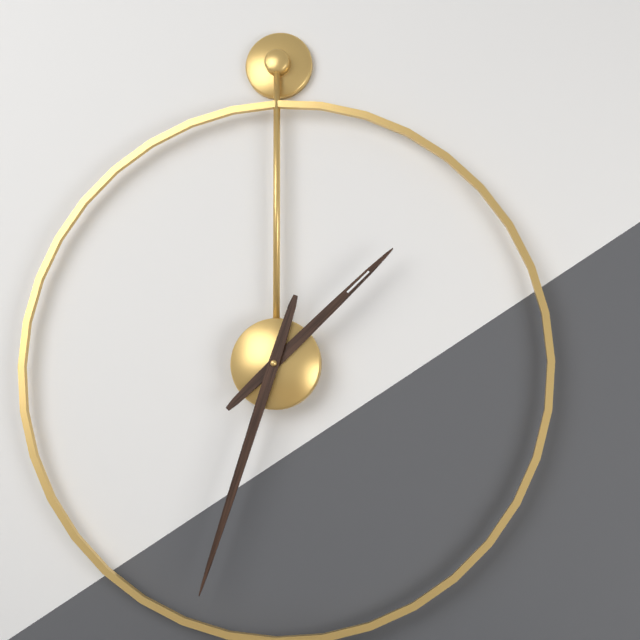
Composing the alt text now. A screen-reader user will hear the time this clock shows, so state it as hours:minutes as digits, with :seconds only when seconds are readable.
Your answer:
1:33
